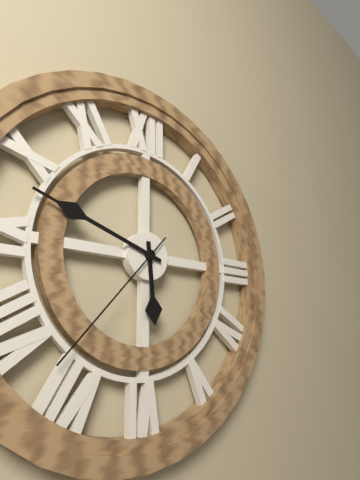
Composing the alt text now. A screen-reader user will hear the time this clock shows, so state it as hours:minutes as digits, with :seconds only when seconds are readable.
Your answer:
5:48:37
